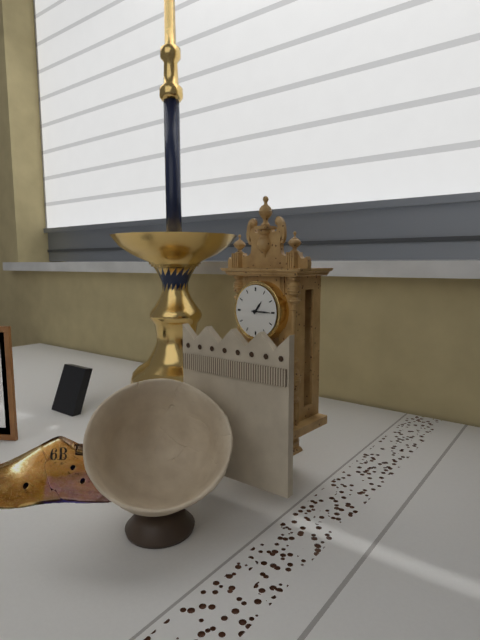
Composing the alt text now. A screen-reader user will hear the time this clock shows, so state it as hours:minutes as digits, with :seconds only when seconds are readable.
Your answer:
1:15
